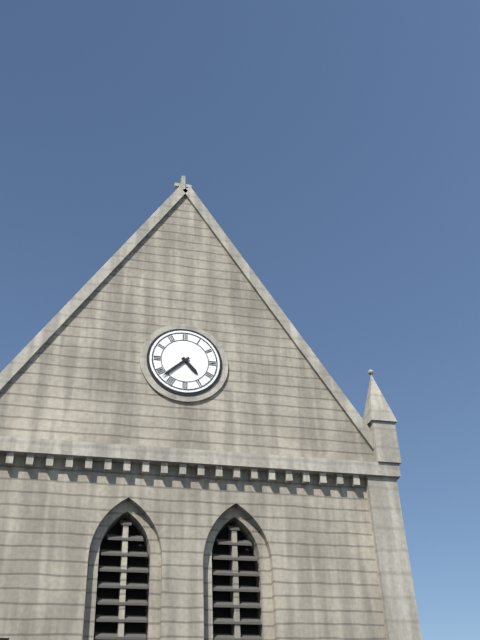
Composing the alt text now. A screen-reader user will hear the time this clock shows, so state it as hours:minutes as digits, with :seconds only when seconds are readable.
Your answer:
4:38
